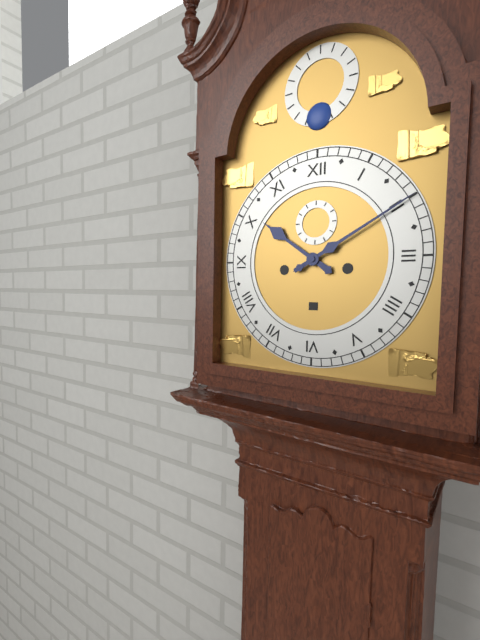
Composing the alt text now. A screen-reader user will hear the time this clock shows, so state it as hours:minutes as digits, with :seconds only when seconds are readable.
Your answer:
10:10
